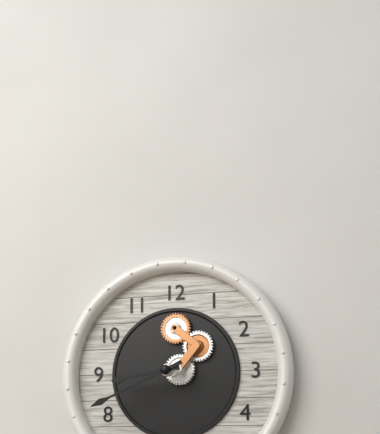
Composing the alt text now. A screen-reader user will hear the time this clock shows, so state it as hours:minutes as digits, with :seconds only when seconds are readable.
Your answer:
8:41
